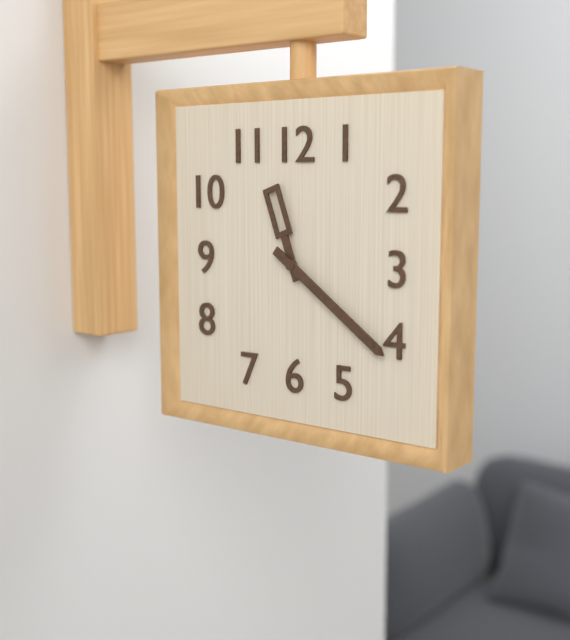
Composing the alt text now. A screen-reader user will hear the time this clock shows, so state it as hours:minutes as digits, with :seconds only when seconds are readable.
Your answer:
11:21
